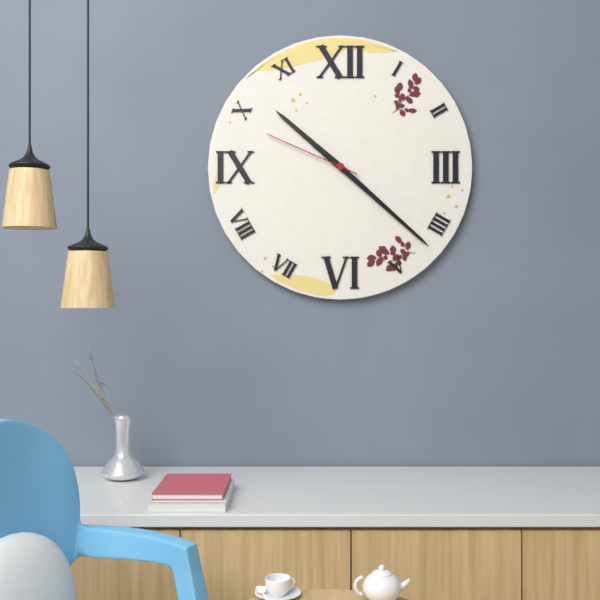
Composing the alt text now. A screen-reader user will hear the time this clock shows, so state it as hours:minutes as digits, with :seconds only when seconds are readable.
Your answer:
10:22:49
